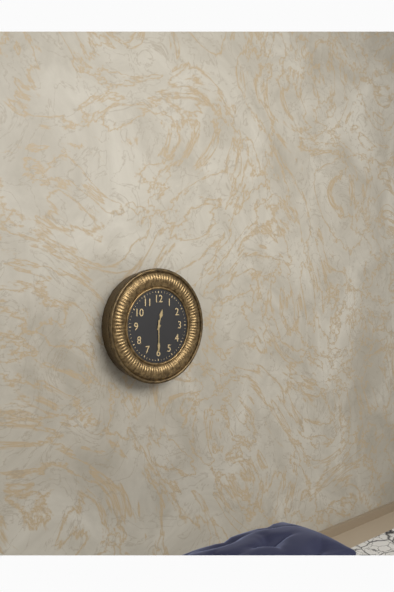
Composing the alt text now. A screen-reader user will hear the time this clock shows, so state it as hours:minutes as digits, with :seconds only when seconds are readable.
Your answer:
12:30
